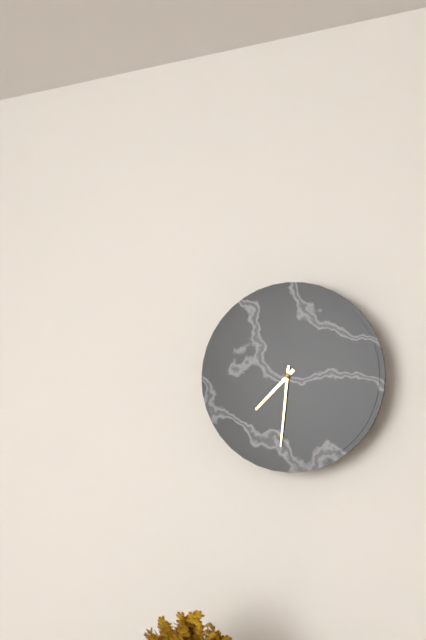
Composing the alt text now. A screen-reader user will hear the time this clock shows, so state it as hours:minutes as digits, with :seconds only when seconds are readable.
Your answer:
7:31
